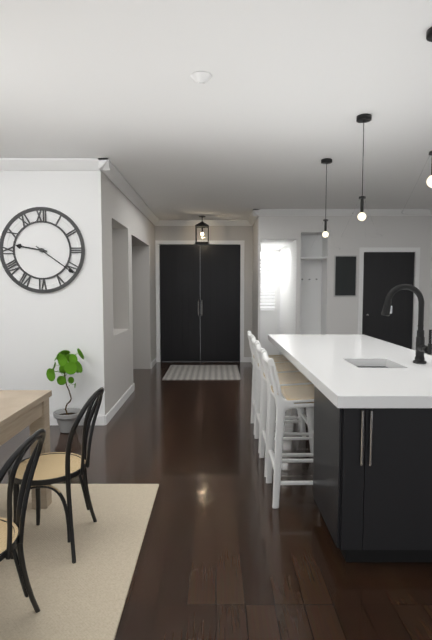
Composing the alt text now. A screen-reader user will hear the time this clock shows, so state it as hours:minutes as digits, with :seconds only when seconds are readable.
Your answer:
9:21
